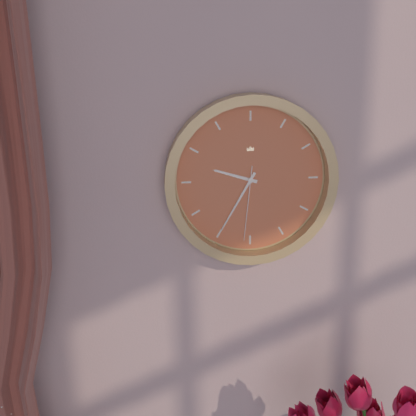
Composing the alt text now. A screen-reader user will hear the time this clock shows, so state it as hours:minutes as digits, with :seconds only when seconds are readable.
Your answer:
9:35:31
